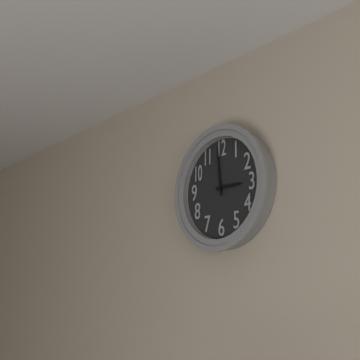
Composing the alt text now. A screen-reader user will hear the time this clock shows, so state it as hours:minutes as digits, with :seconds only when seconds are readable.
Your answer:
2:59
